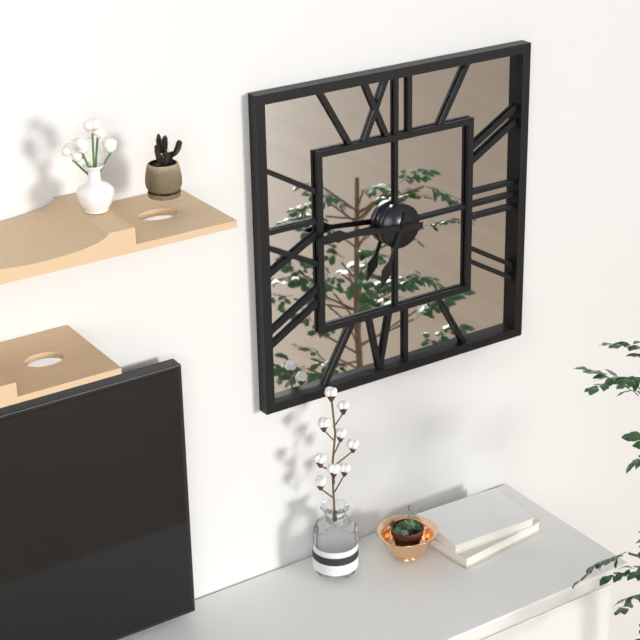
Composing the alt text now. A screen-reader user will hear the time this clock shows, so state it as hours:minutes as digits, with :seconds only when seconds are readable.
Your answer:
6:46
